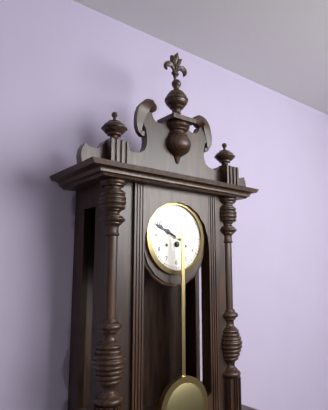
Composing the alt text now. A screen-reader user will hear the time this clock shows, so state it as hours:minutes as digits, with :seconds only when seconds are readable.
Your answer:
9:49
